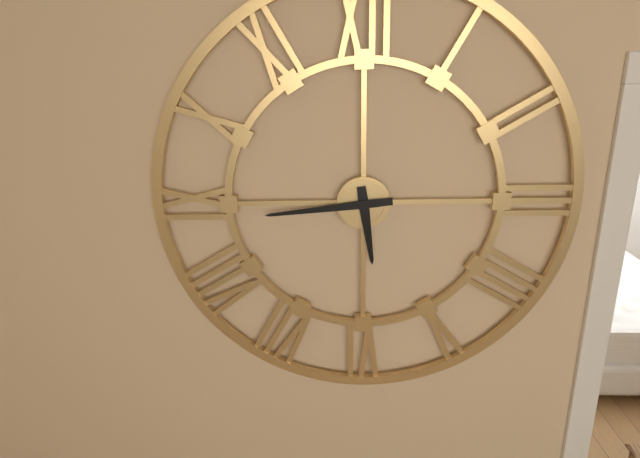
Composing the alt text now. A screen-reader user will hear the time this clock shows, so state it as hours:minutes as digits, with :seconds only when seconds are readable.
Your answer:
5:44
